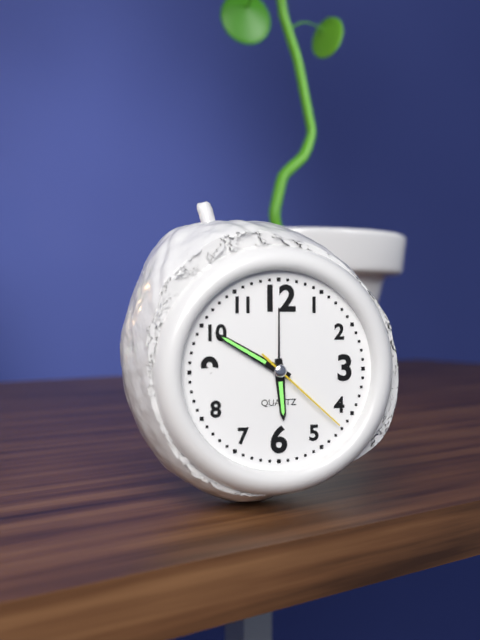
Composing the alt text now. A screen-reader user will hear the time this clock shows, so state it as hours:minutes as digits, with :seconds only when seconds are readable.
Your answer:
5:50:22
